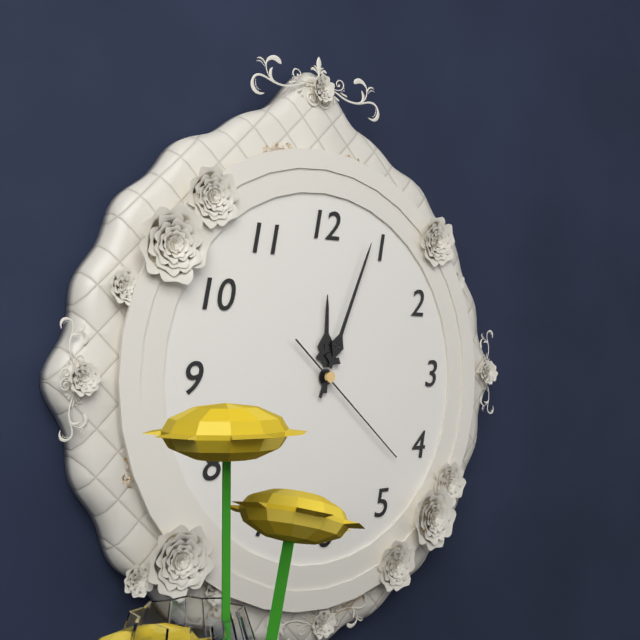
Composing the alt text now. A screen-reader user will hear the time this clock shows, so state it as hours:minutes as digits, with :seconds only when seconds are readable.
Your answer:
12:04:22
